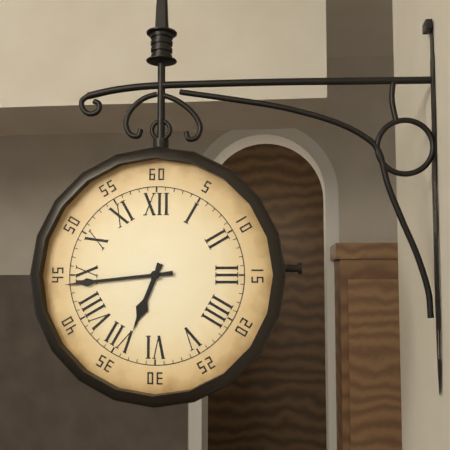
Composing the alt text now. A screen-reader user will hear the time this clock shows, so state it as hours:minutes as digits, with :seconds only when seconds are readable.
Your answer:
6:44
